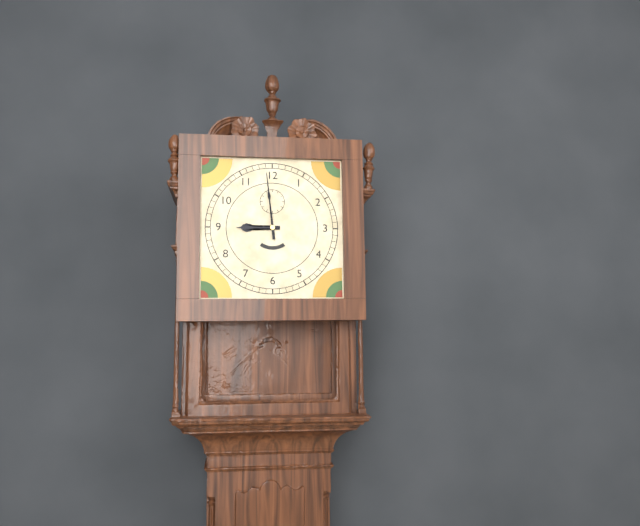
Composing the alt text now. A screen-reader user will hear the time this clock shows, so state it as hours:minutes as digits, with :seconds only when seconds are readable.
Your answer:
8:59
